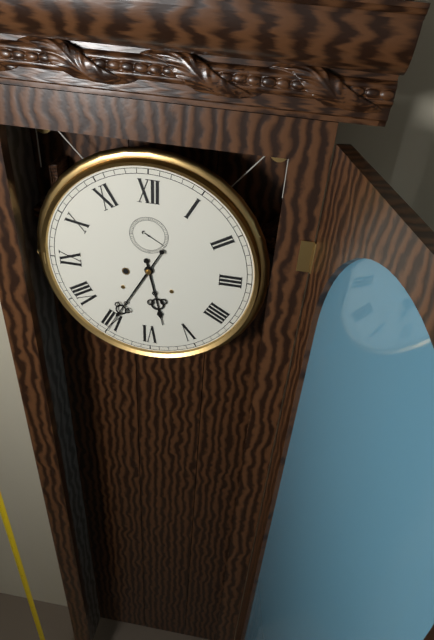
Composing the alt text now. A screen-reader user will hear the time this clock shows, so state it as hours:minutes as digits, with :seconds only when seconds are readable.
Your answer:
5:35
